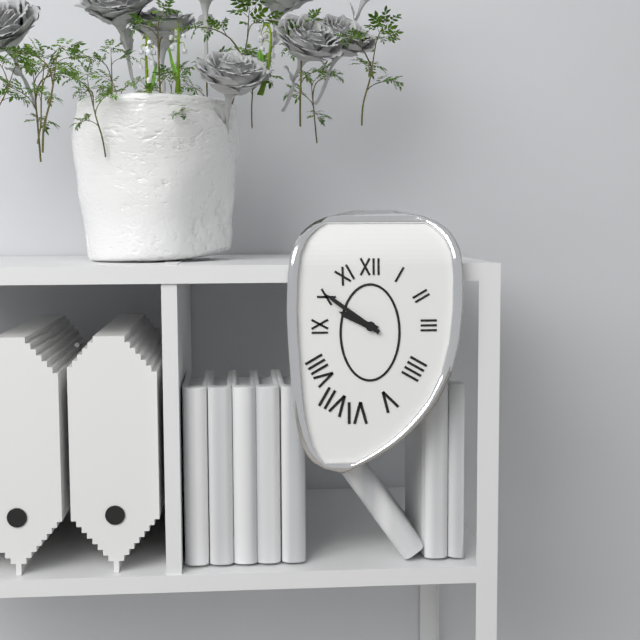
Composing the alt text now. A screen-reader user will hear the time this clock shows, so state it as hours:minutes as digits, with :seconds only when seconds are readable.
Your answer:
9:51
